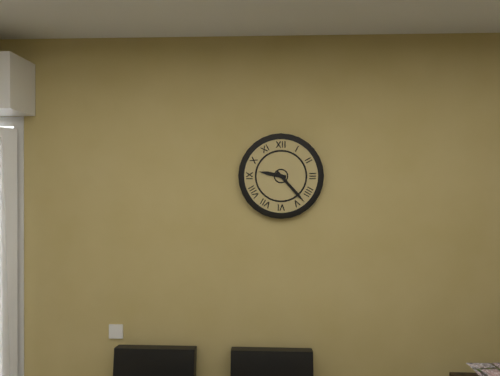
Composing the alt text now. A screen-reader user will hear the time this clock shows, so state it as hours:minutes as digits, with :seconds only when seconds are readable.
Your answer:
9:23
